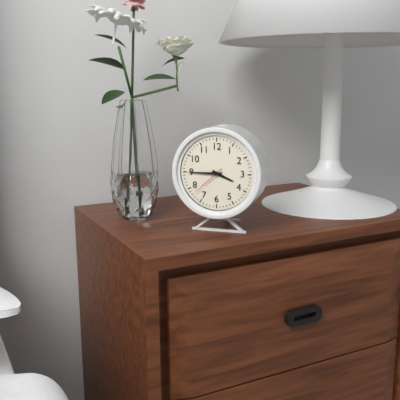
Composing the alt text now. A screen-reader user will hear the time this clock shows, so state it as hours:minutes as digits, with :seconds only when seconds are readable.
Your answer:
3:45
